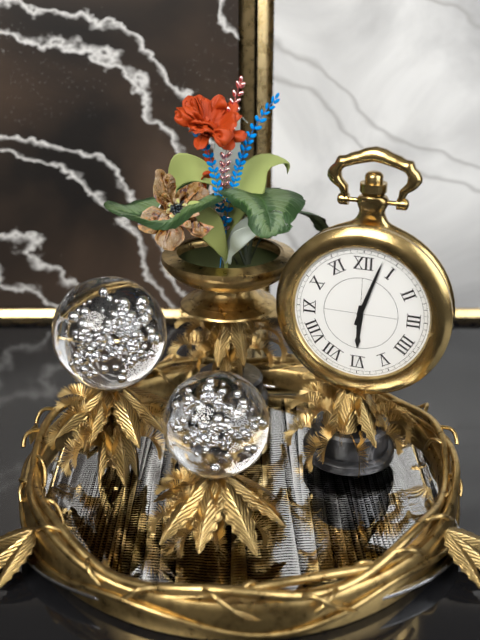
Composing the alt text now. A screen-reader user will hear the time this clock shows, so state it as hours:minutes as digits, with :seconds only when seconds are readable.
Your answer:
6:03
